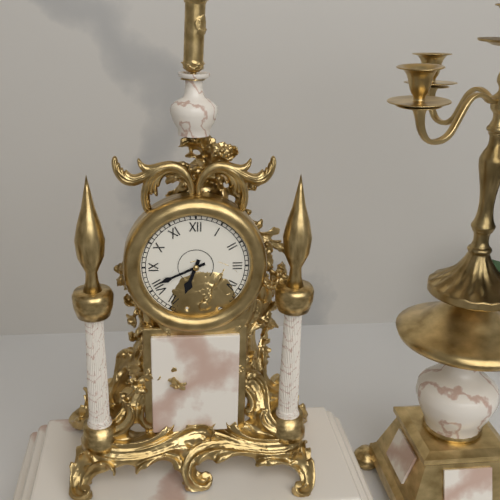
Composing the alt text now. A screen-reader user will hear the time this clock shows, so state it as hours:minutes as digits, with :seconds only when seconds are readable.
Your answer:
6:41
